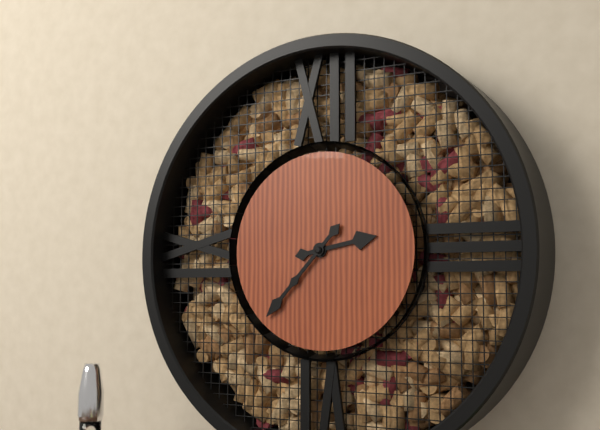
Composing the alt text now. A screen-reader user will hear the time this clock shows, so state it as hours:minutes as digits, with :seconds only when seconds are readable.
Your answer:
2:37
